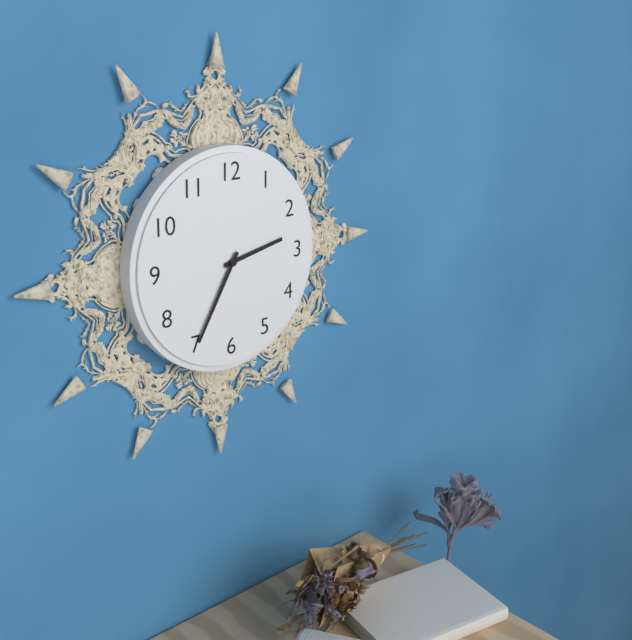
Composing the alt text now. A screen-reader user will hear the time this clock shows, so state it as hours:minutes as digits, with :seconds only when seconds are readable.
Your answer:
2:35
